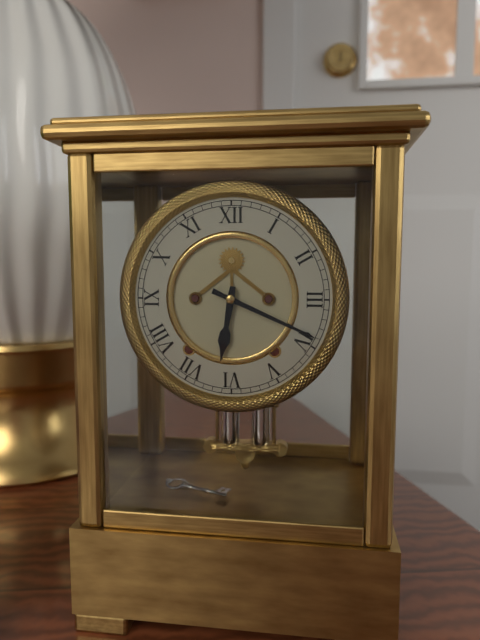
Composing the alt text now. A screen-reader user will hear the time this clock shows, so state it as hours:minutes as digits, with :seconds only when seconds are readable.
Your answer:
6:19
